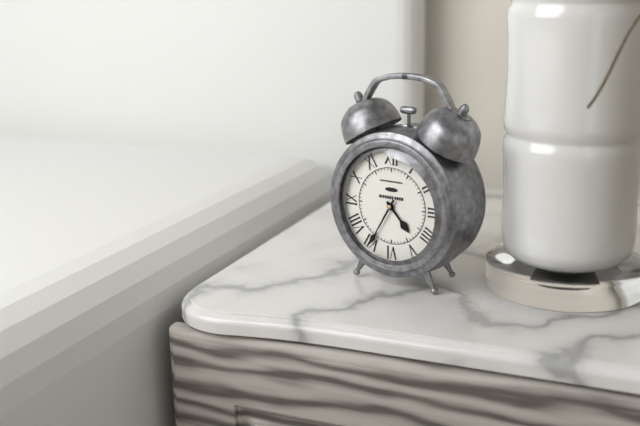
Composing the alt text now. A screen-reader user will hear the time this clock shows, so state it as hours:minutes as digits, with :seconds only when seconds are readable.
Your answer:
4:35
